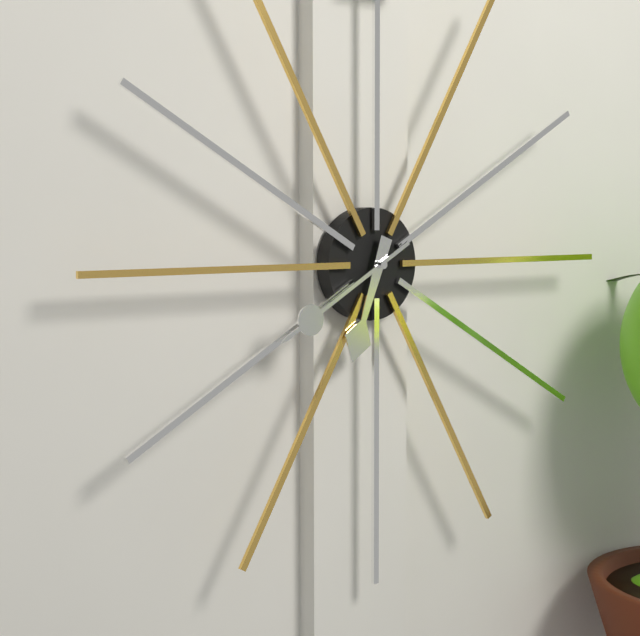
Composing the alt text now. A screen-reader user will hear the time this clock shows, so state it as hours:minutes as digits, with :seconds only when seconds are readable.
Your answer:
6:40
